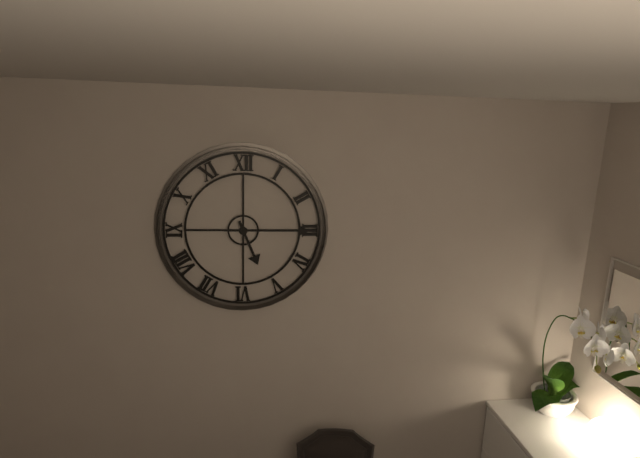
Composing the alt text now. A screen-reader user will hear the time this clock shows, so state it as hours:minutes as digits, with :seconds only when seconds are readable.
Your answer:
5:15
